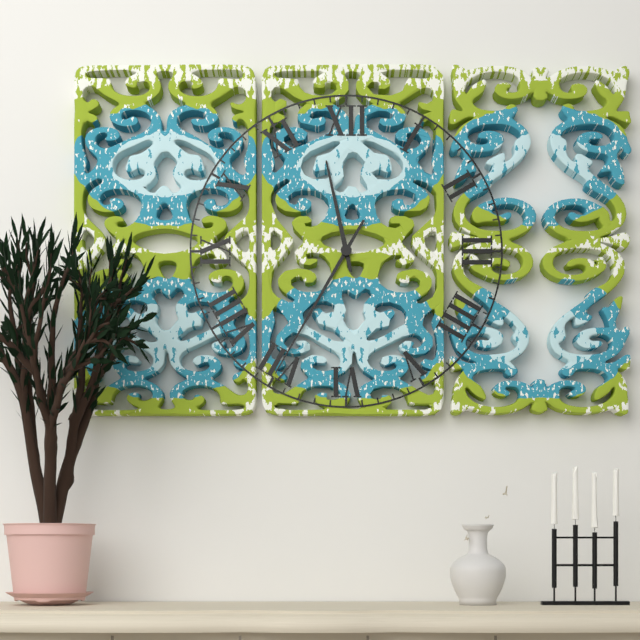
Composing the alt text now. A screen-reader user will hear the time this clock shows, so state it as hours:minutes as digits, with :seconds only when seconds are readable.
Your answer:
11:35
